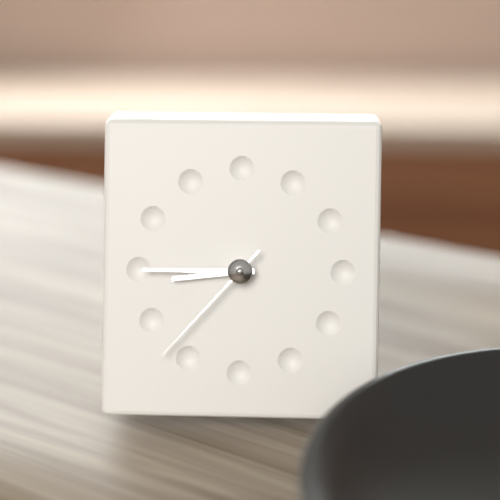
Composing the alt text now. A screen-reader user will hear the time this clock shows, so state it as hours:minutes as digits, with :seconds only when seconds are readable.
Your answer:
8:45:37
